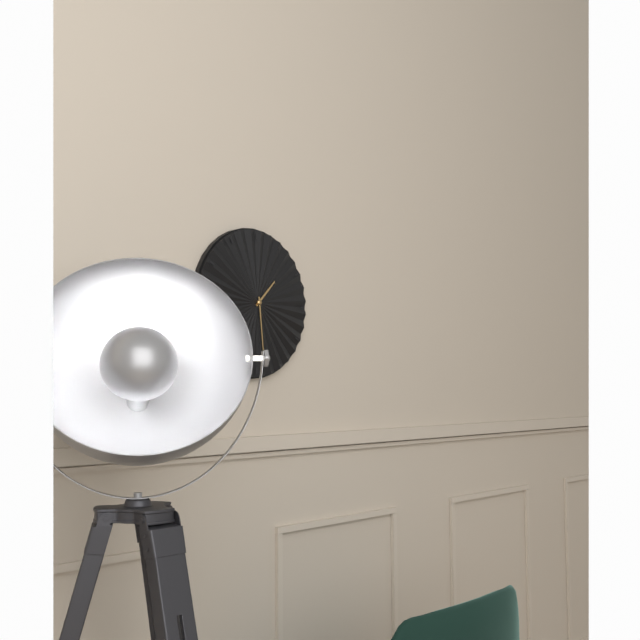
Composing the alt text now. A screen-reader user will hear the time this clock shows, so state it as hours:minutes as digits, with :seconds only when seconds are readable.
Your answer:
1:29
